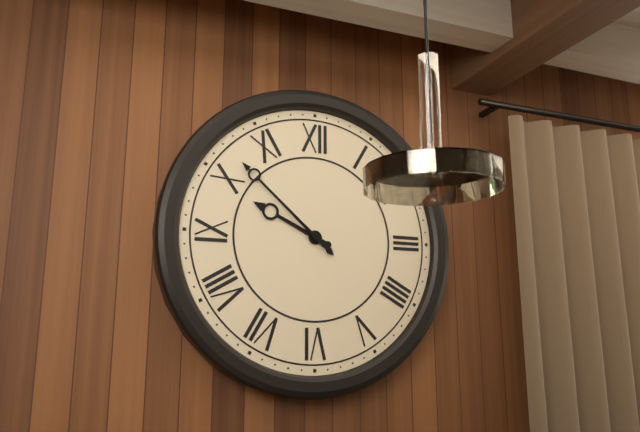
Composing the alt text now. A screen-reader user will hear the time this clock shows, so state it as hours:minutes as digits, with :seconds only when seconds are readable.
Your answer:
9:52
